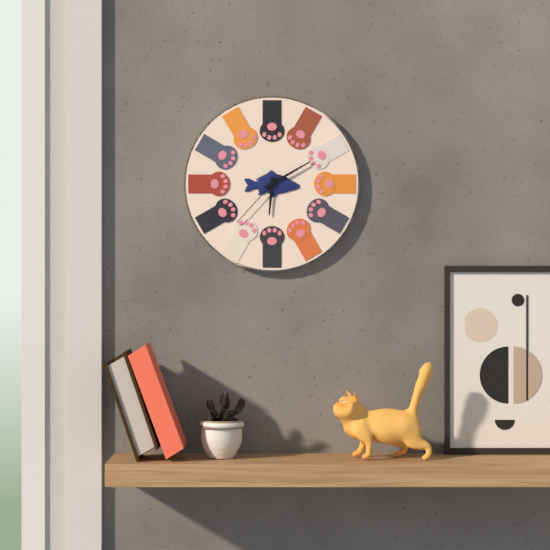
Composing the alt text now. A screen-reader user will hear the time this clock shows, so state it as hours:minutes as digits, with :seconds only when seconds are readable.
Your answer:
6:10:37
